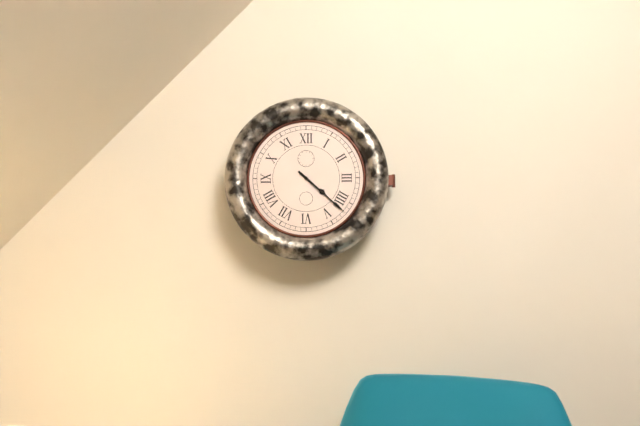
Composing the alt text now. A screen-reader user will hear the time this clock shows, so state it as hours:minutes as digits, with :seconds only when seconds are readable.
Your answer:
4:22
